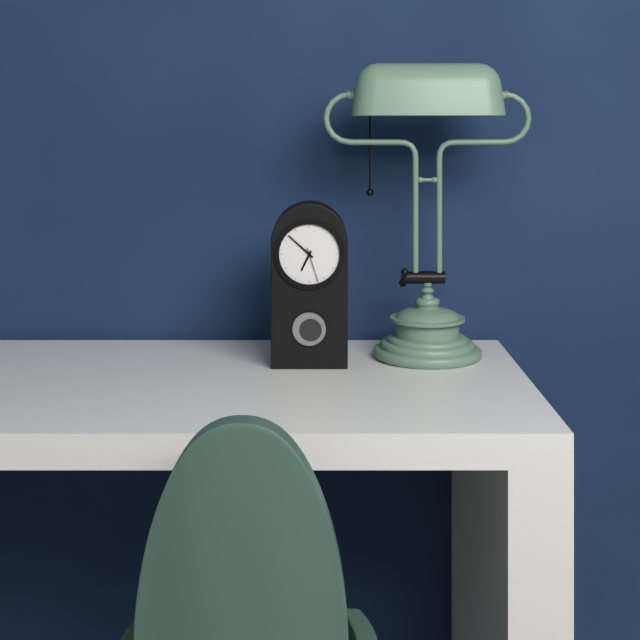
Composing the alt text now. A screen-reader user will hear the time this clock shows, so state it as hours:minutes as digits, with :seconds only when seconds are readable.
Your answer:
6:52
